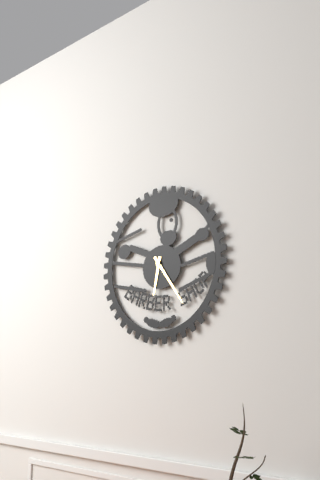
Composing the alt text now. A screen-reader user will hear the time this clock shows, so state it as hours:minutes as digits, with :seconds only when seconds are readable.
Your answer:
6:24
